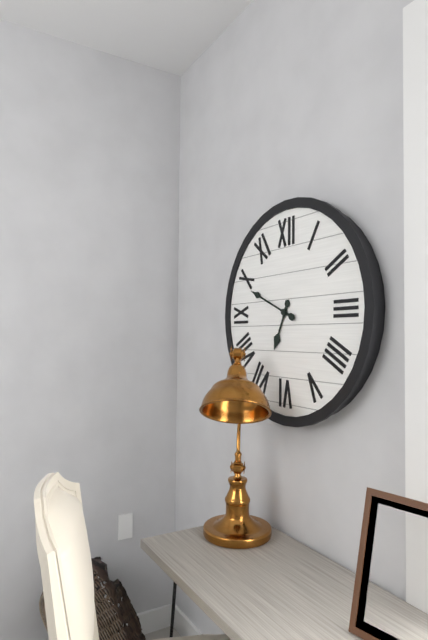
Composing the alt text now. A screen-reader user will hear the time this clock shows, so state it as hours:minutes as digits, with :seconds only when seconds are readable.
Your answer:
6:49
